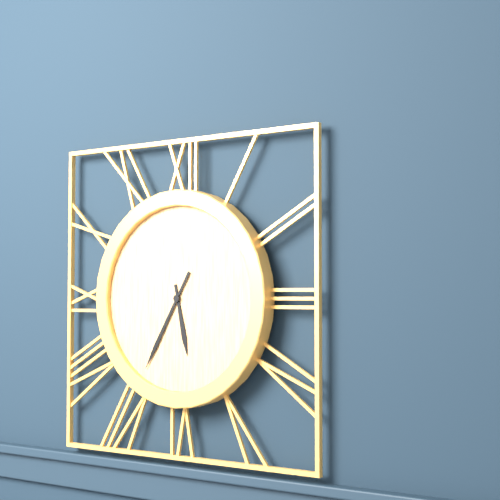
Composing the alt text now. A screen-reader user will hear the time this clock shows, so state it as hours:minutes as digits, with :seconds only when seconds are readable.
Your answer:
5:35
